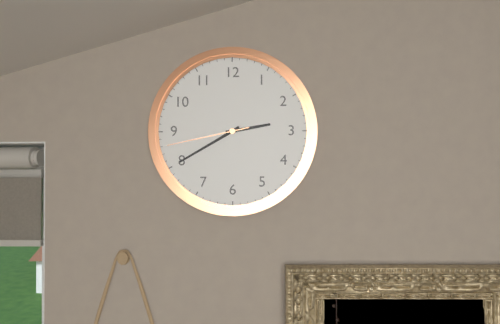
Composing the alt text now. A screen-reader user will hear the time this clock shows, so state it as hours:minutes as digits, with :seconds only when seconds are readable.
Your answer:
2:40:43
